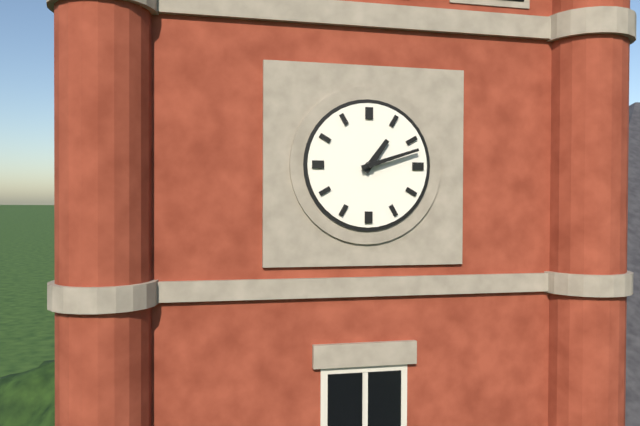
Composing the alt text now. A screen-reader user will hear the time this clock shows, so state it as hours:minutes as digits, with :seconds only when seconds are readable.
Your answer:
1:12
